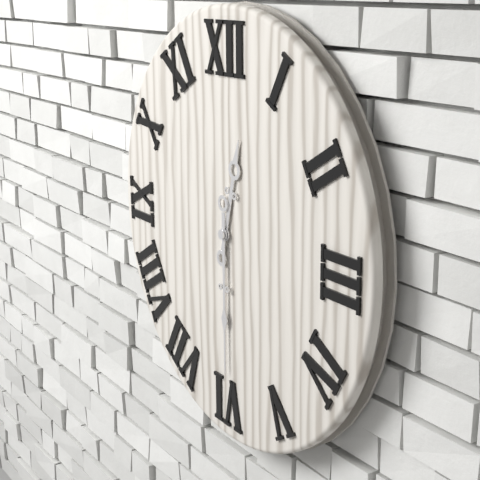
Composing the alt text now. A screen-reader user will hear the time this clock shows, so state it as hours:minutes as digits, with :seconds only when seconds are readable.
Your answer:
12:30
